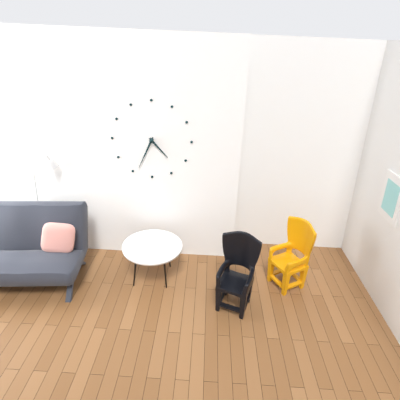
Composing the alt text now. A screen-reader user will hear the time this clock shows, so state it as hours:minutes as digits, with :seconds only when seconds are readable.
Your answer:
4:34
